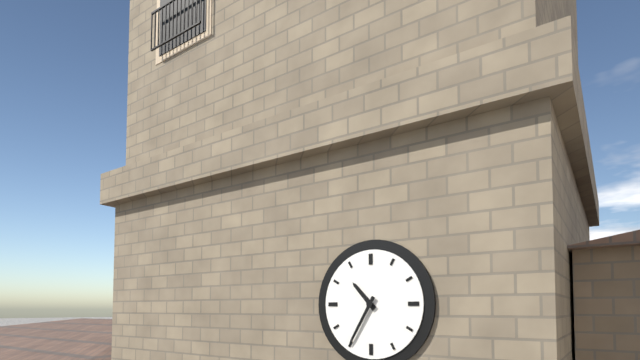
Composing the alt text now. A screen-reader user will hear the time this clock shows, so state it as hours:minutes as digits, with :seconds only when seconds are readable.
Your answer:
10:35
